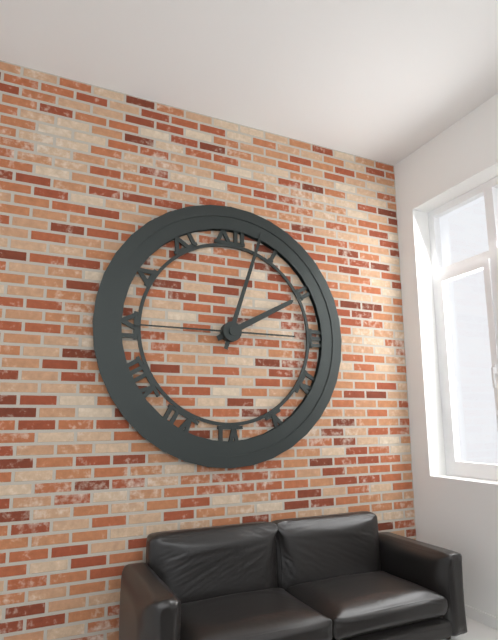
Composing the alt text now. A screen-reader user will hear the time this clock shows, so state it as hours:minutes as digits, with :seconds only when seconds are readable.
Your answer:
2:03:45
